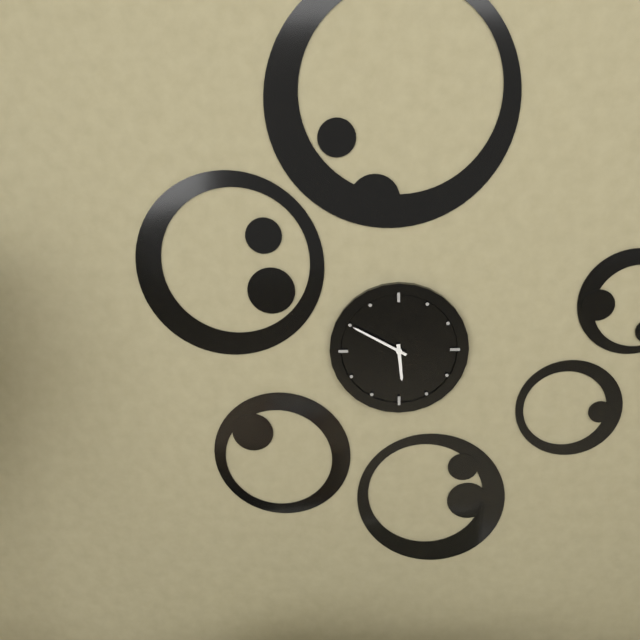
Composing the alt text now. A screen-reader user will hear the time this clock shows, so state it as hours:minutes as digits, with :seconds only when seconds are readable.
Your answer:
5:50
